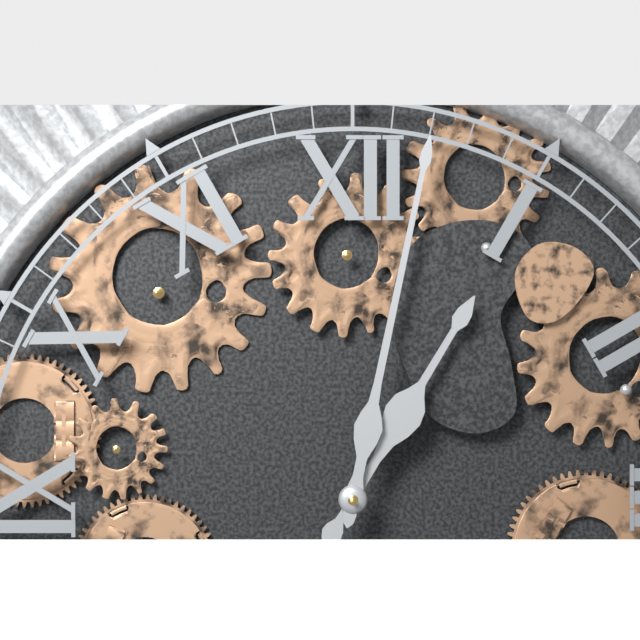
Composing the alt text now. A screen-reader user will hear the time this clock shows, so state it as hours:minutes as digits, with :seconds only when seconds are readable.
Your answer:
1:02
